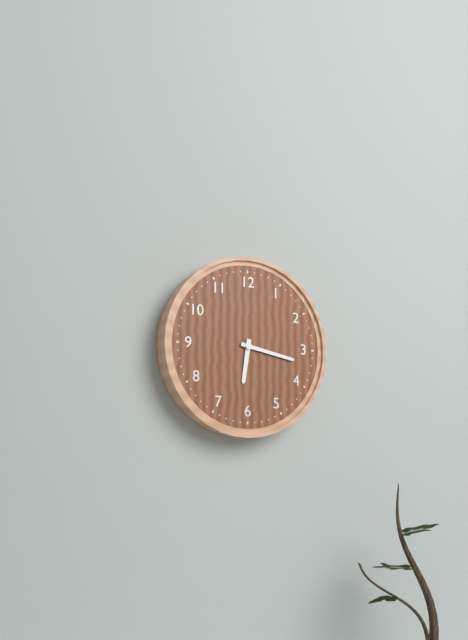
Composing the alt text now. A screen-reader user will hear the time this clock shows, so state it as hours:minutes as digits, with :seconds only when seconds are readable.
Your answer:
6:17
